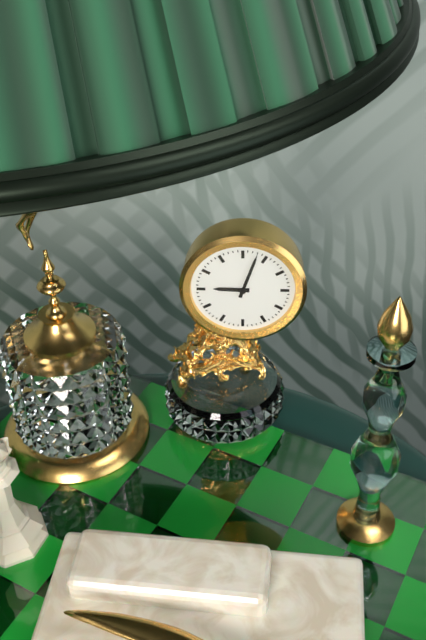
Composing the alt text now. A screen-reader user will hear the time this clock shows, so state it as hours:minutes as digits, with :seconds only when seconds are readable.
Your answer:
9:03
